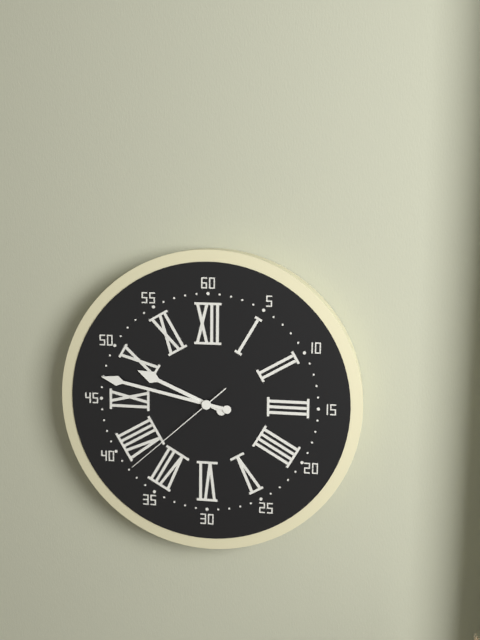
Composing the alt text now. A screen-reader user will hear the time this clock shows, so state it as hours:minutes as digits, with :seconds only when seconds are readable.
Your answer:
9:47:38
